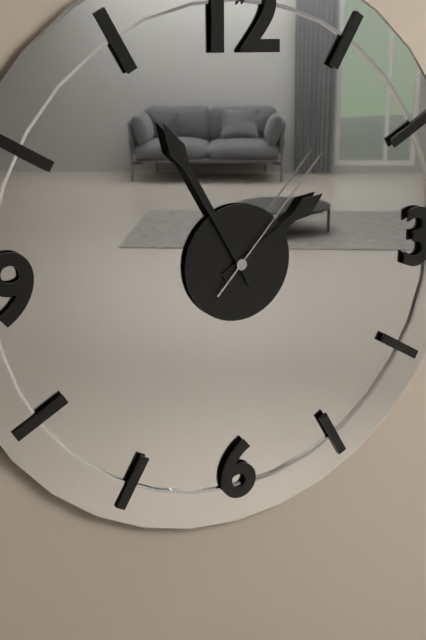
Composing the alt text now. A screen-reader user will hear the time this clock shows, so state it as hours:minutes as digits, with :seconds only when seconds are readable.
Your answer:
1:55:07
